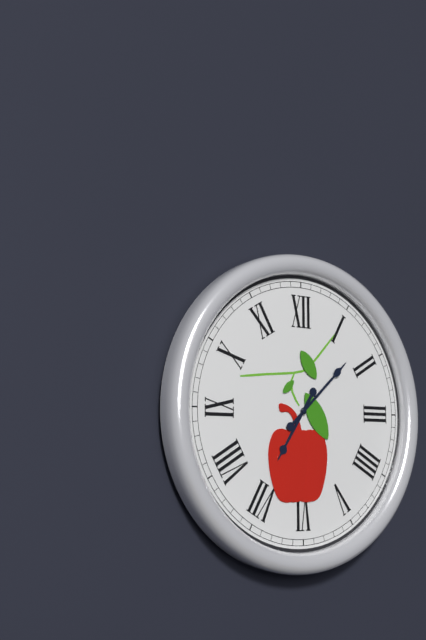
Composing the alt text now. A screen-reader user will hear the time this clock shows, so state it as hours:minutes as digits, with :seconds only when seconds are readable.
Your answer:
7:08
